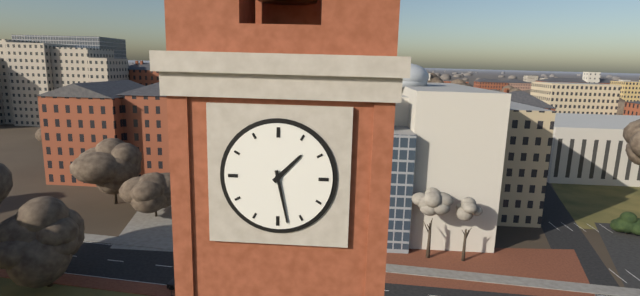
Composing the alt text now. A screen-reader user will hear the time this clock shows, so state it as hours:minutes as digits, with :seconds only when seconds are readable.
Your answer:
1:28
